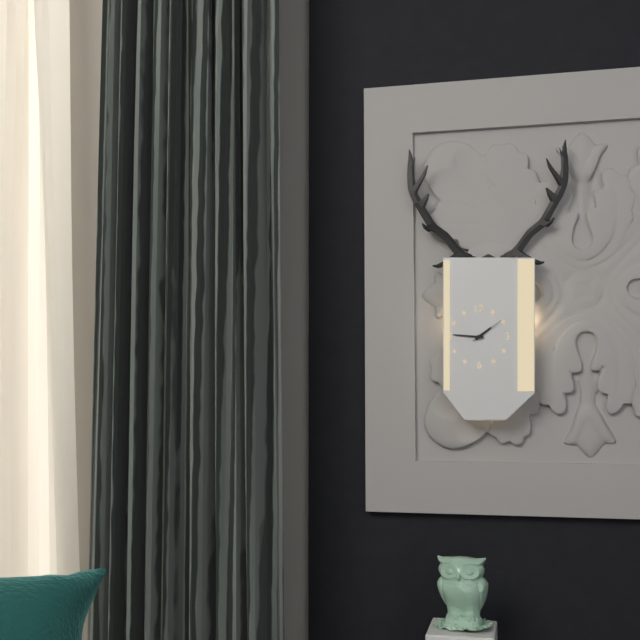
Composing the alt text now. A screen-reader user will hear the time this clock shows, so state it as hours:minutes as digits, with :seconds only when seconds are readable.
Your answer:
1:46
